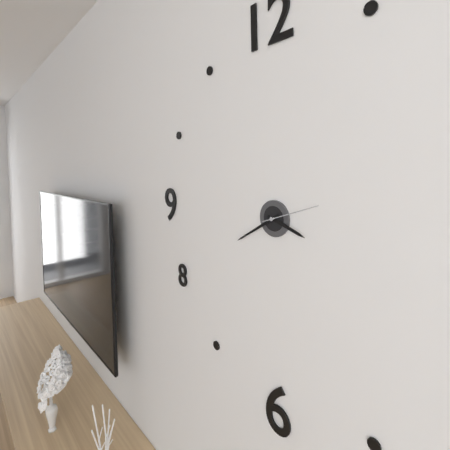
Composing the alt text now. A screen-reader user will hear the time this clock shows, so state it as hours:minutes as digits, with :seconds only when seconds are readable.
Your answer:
3:40:12
